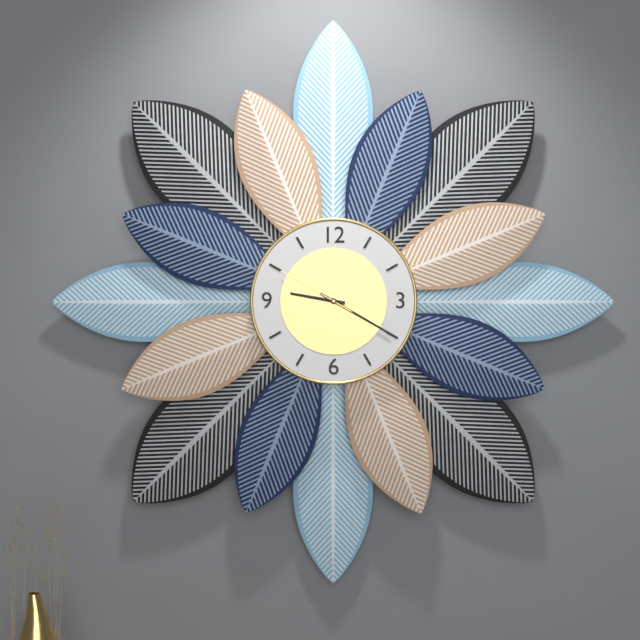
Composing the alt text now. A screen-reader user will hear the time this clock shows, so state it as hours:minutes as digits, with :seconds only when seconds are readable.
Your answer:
9:20:50
